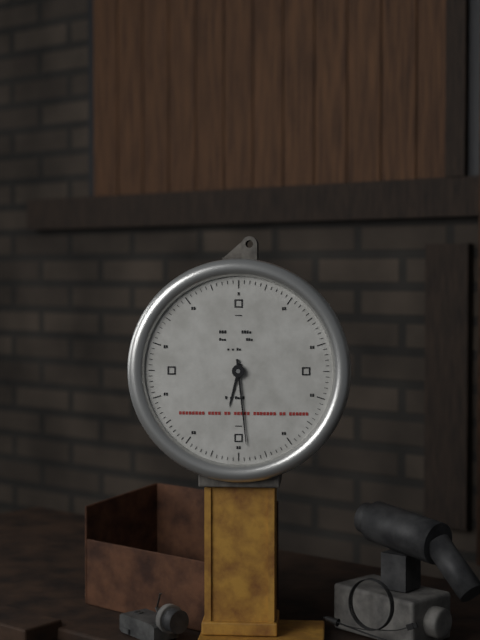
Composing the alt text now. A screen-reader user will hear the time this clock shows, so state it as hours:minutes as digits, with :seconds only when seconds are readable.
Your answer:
6:29
